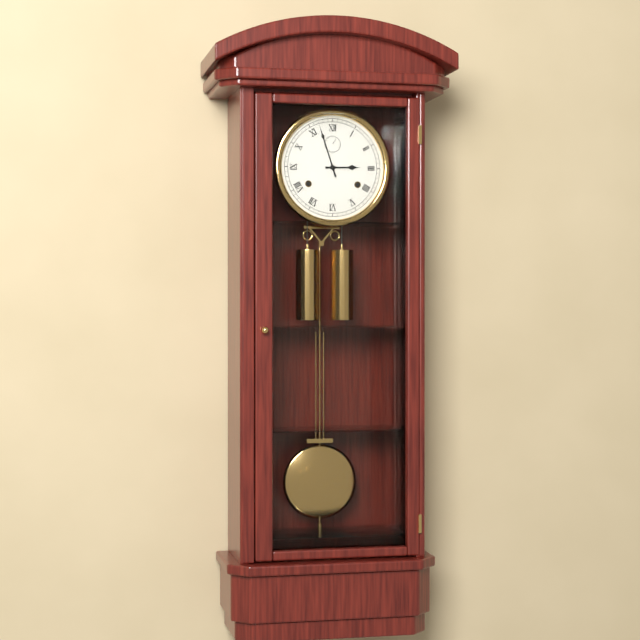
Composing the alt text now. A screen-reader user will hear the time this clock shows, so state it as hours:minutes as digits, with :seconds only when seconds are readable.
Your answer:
2:57
